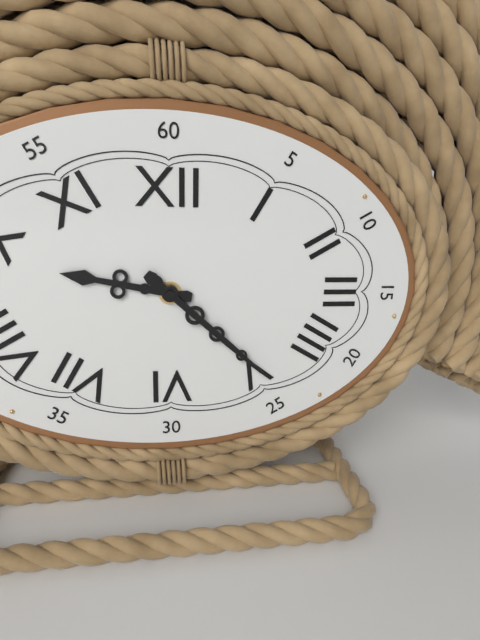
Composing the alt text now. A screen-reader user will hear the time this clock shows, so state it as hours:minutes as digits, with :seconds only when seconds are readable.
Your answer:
9:22
